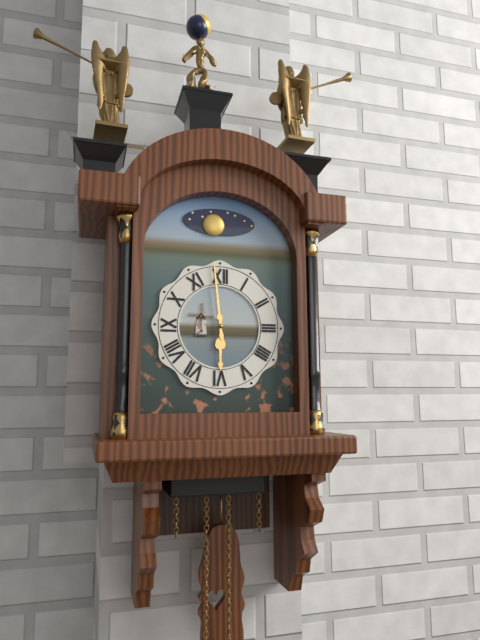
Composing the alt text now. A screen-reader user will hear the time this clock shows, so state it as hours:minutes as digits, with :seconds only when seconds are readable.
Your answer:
5:59
